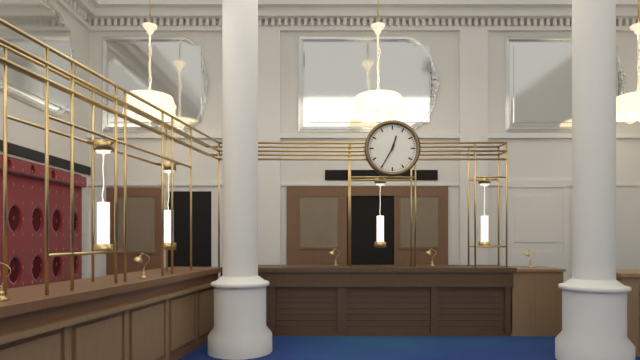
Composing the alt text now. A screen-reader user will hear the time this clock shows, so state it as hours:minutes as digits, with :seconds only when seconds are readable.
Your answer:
12:35
